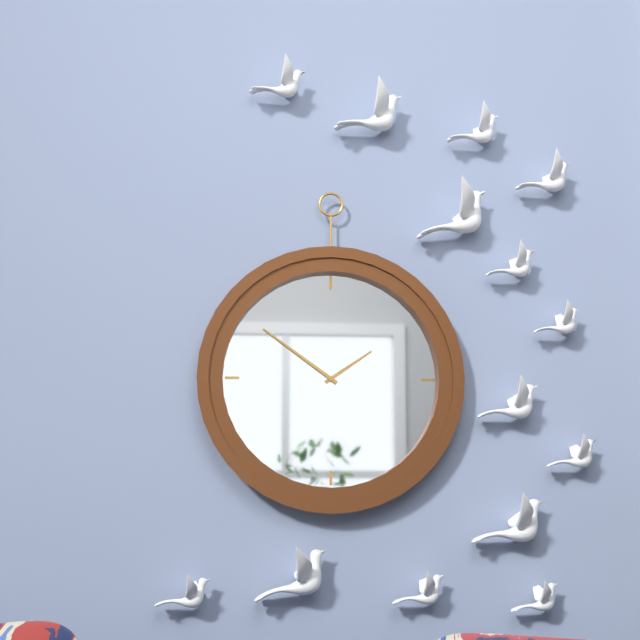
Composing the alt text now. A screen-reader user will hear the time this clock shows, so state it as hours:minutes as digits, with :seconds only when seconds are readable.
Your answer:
1:51
